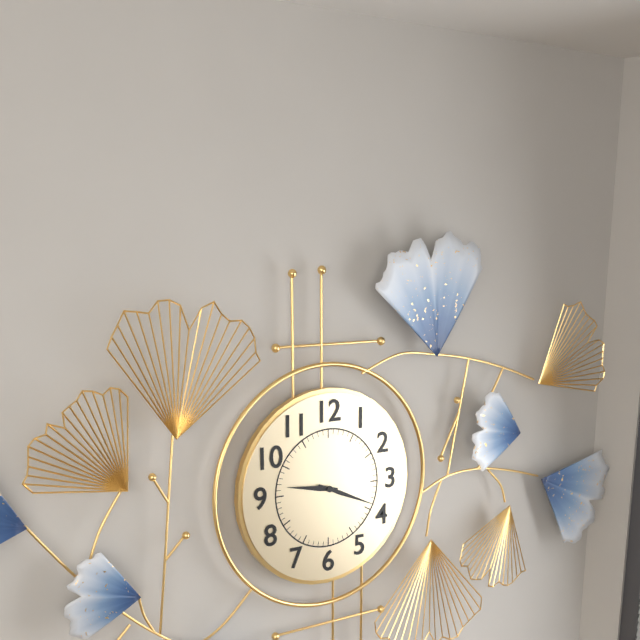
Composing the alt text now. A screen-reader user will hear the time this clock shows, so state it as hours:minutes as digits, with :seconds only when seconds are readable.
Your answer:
9:19
